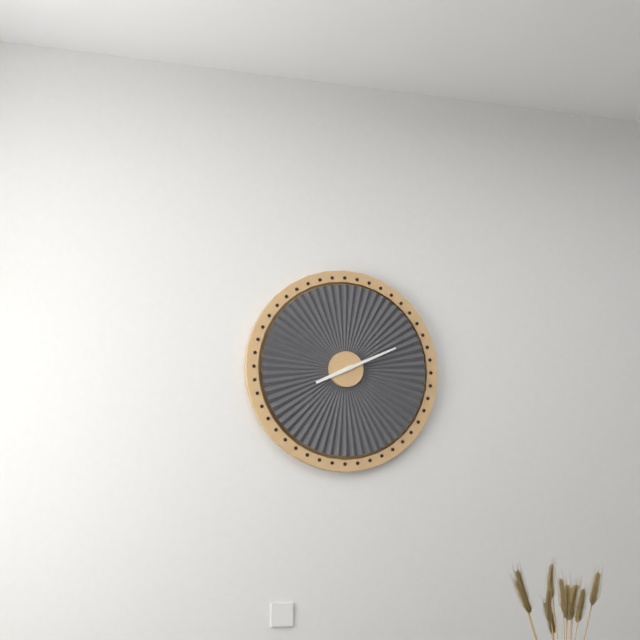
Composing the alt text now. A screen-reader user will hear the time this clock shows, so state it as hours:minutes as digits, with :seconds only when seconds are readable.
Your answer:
8:11
